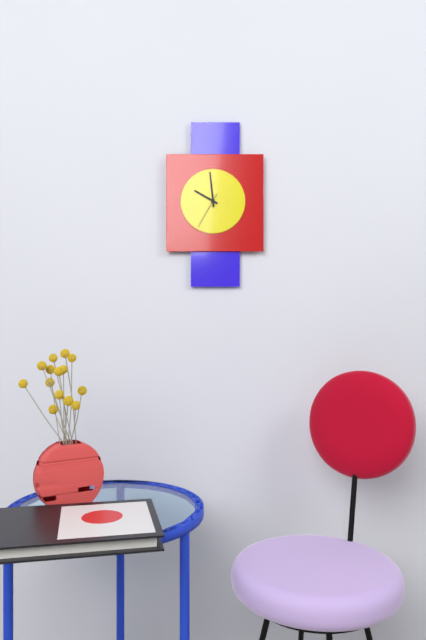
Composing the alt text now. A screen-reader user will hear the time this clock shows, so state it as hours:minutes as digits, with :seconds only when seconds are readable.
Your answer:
9:59
